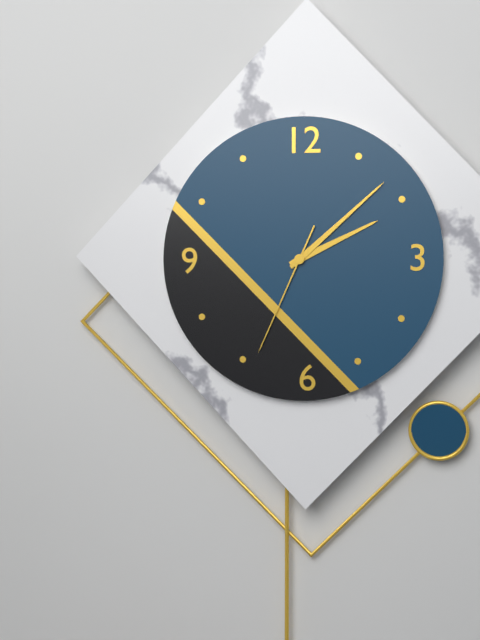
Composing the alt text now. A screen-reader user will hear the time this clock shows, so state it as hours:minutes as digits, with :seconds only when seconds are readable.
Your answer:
2:08:34
